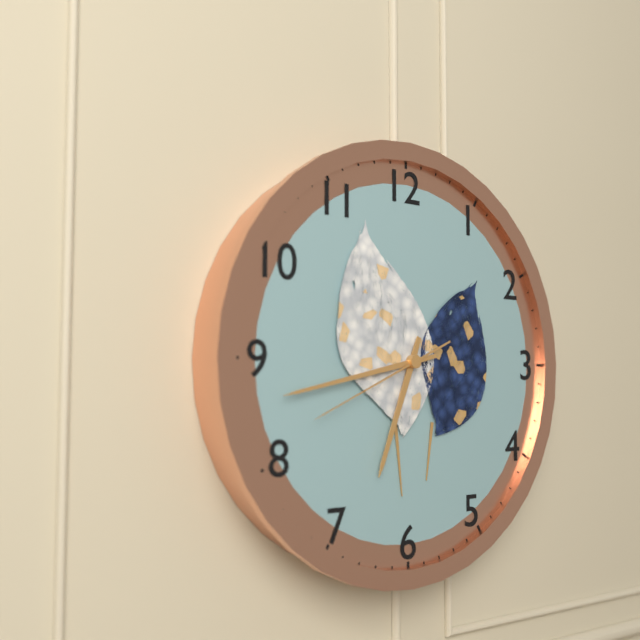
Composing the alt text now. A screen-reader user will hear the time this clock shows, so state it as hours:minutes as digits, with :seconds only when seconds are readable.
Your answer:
6:43:41
